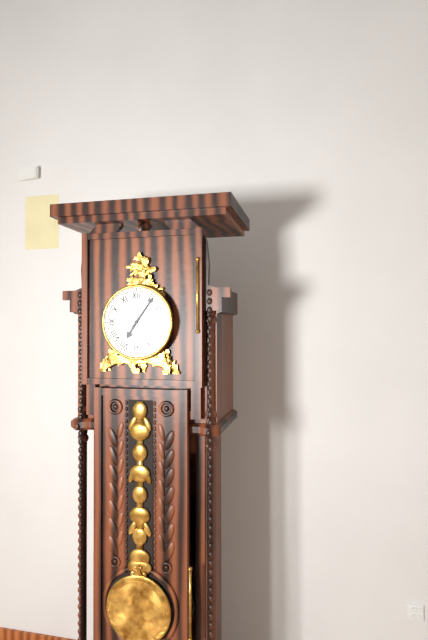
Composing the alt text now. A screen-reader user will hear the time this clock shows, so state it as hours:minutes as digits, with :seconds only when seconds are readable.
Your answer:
7:06
